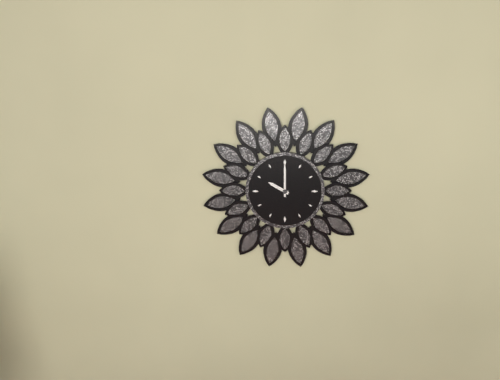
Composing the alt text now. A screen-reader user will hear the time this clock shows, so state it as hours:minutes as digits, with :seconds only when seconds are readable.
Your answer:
10:00
